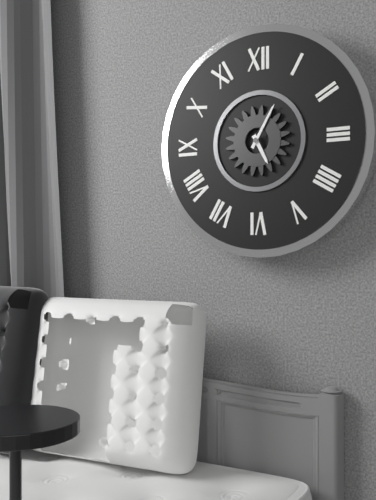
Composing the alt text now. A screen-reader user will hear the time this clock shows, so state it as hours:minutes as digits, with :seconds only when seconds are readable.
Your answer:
5:05
